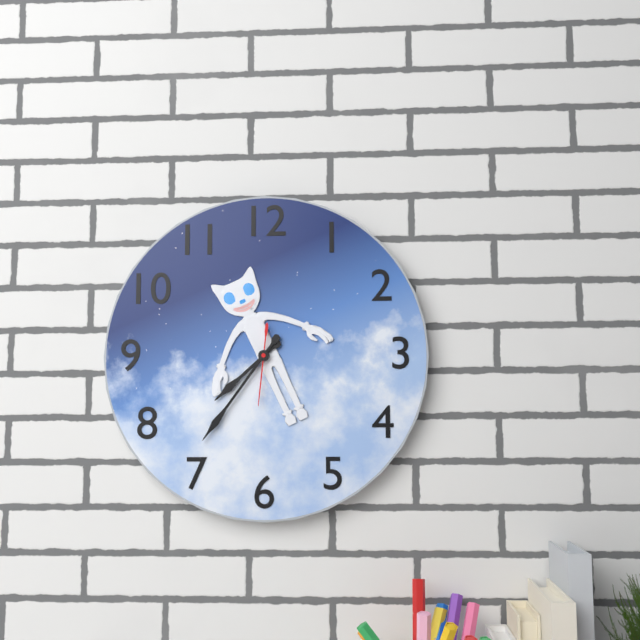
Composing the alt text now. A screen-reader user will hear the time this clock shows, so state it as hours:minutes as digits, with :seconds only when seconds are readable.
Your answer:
7:36:31
